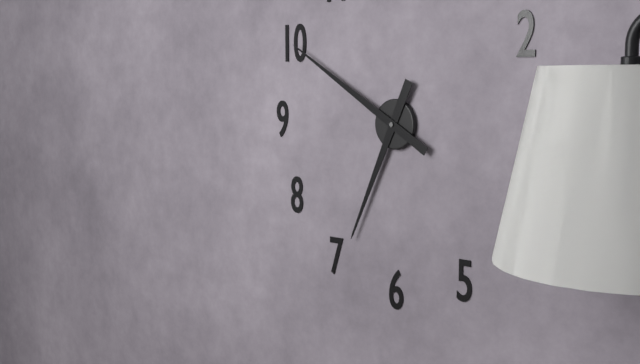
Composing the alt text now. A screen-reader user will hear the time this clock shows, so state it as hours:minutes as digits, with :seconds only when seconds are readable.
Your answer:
6:50
